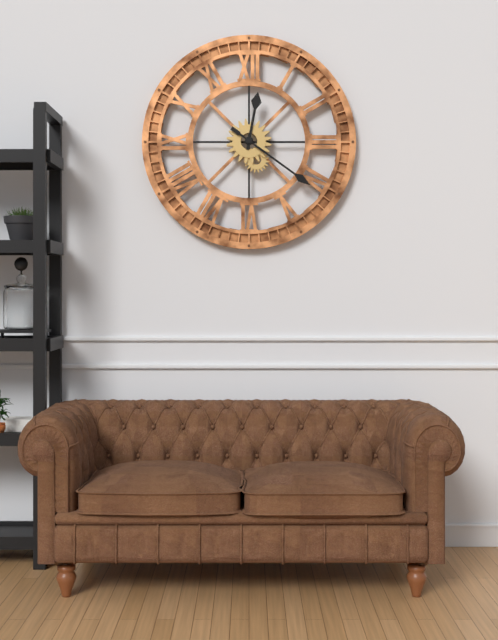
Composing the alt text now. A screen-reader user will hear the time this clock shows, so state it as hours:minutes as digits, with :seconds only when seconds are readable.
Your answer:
12:21
